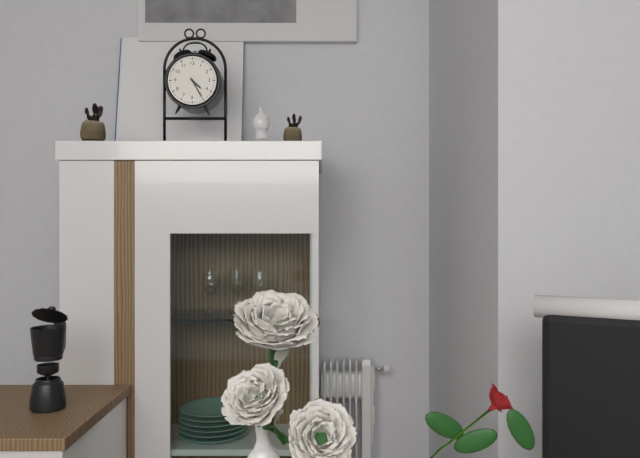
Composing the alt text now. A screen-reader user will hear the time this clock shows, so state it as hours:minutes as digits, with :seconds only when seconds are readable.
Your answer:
4:25
